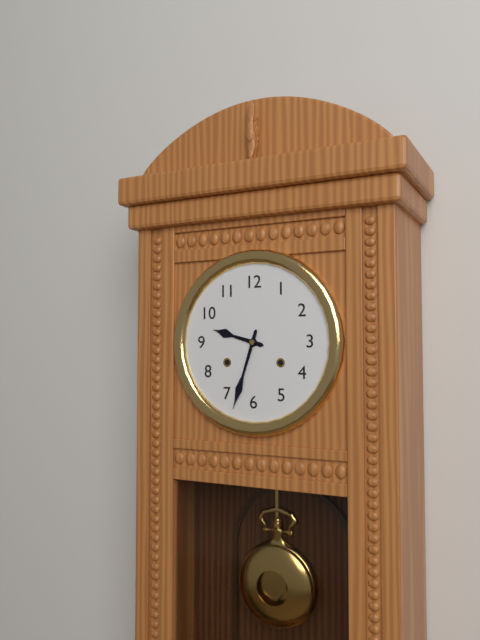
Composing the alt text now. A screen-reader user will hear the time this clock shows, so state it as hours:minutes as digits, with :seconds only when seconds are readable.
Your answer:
9:33
